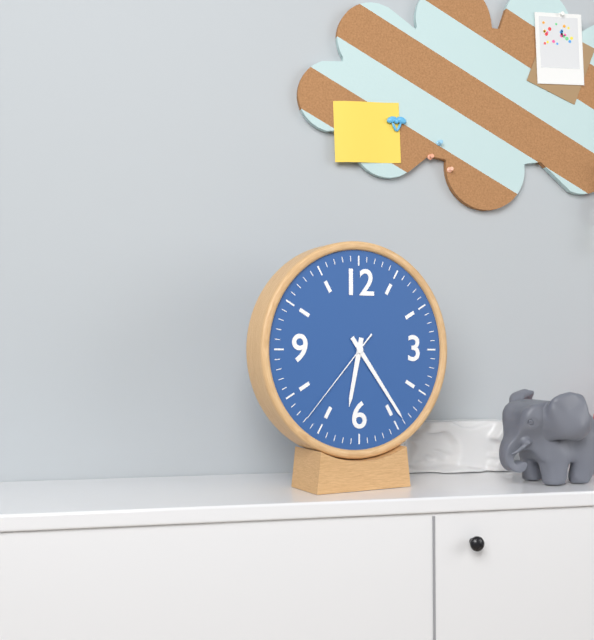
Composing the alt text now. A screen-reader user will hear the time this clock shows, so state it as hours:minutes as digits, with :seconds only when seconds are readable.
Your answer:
6:24:37
